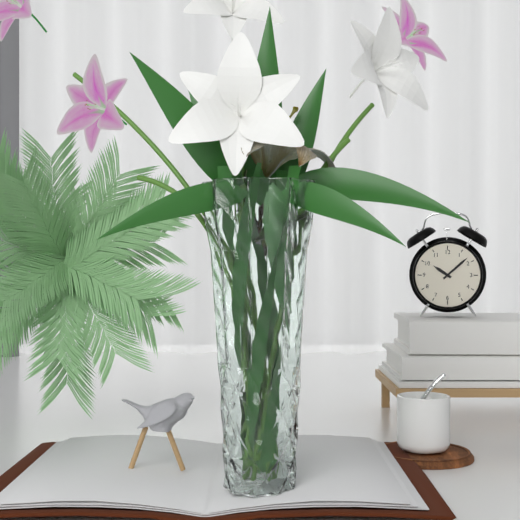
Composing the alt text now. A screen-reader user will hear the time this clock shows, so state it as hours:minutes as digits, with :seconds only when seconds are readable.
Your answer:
10:08
